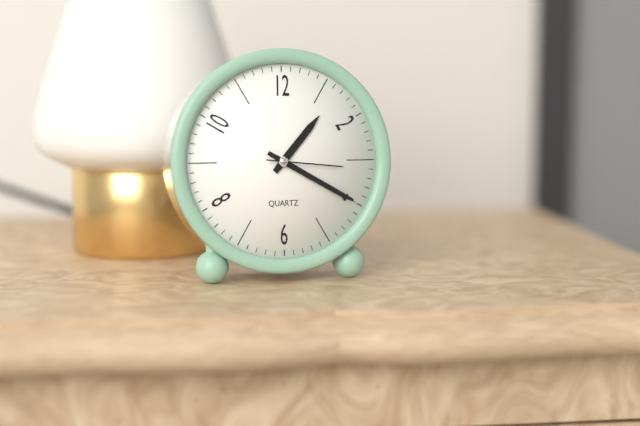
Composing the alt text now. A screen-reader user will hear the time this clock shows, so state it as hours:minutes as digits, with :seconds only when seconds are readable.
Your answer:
1:20:16
